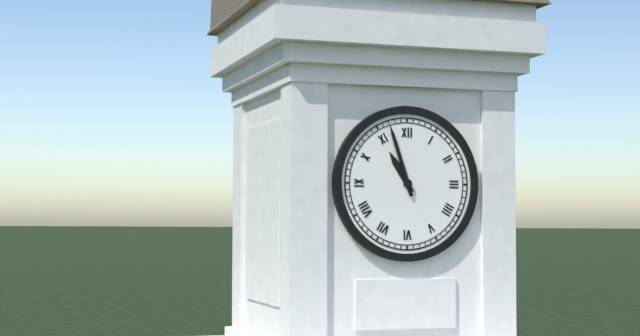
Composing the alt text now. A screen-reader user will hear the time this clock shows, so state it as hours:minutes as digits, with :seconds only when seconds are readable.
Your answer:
10:57
